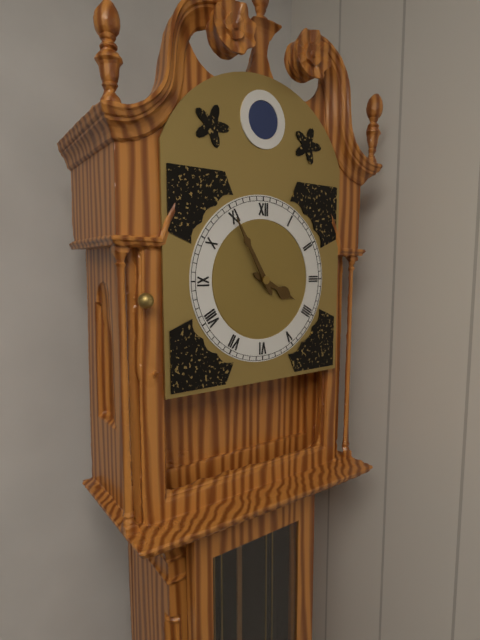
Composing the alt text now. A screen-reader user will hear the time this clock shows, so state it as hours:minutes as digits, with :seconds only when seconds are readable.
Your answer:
3:55
